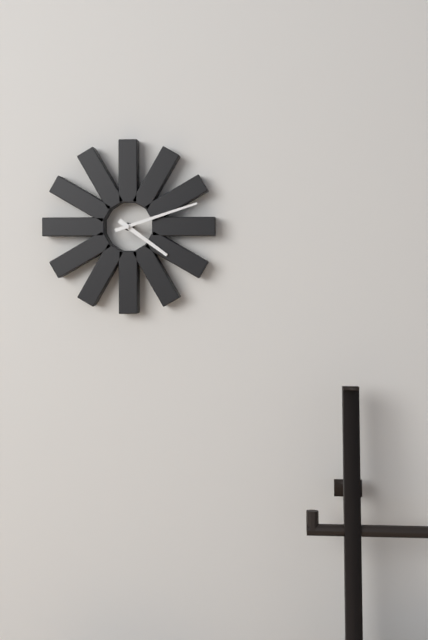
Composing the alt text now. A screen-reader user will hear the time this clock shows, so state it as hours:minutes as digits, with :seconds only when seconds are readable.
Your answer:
4:12
